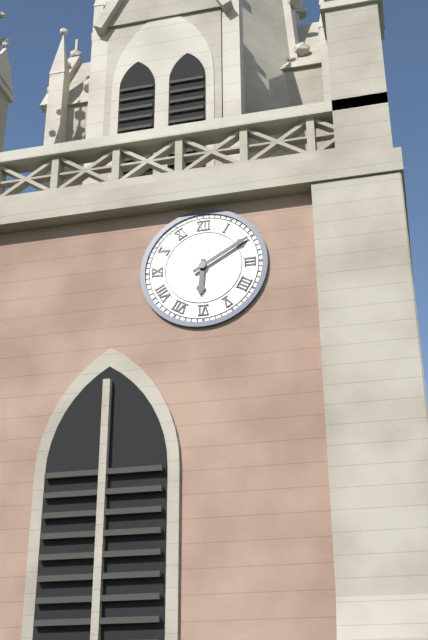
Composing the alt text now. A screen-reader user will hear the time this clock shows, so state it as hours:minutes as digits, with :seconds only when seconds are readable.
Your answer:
6:10
